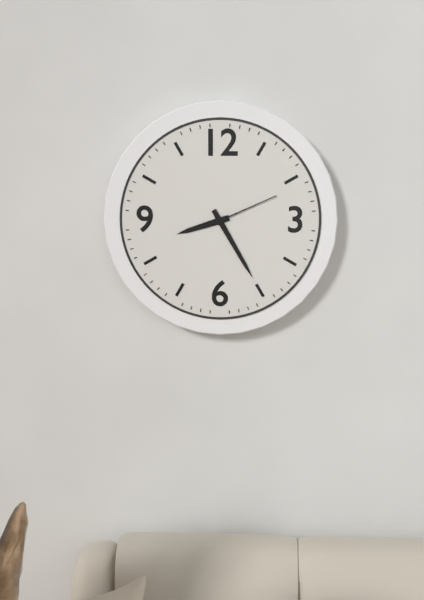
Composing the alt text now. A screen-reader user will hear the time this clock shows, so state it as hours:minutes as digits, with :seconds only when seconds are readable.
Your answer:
8:25:11
